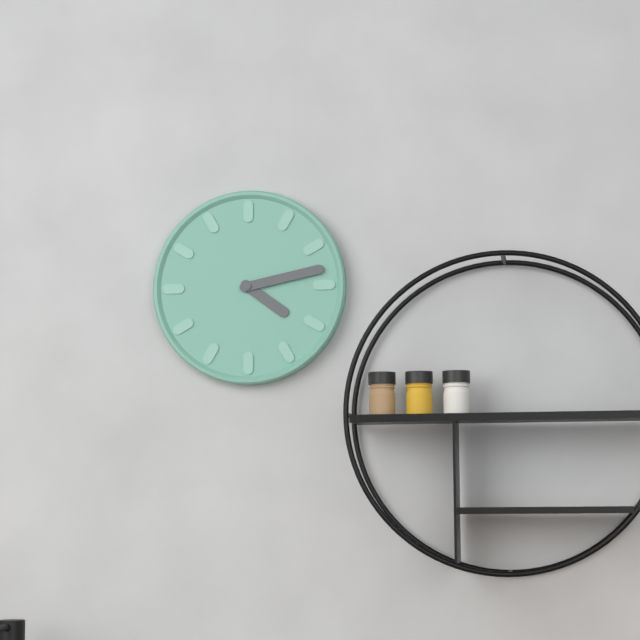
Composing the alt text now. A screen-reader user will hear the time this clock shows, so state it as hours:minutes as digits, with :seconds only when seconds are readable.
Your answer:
4:13
